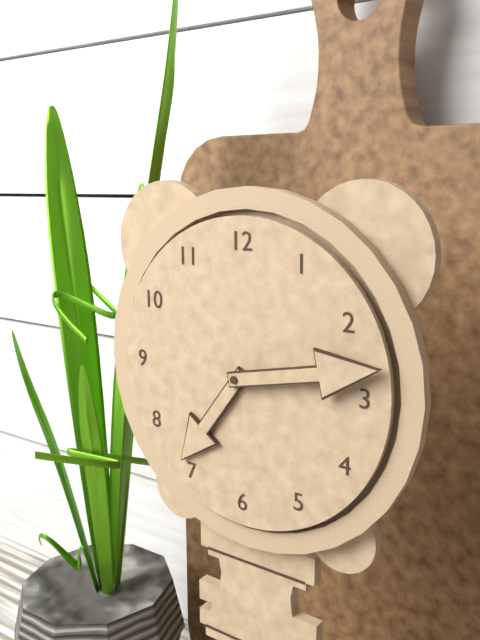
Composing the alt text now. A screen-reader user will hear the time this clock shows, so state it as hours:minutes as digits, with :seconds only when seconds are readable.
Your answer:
7:13
